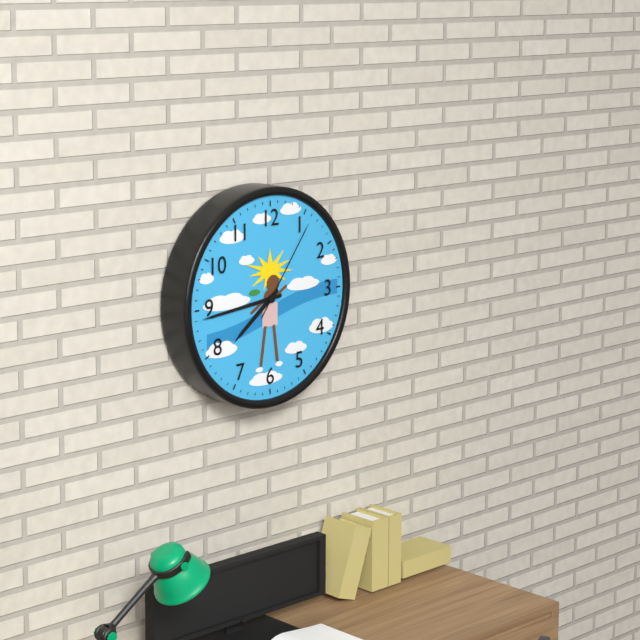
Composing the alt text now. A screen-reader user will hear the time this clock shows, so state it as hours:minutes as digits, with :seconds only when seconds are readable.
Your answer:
7:44:06
